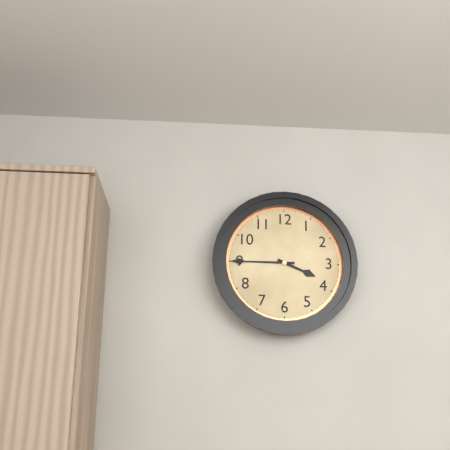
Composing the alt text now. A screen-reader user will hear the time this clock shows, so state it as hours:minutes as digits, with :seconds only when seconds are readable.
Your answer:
3:45
